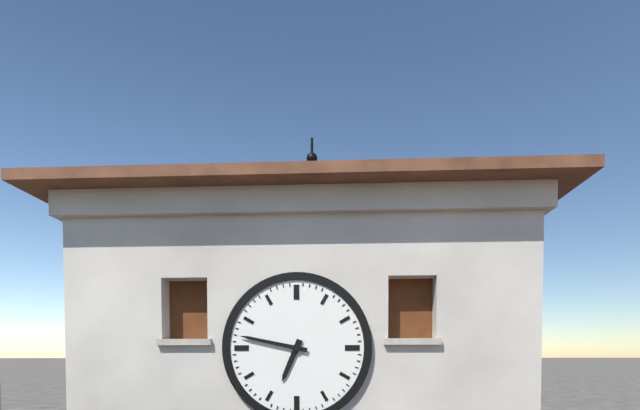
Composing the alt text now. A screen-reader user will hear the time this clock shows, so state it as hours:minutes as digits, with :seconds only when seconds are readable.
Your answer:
6:47
